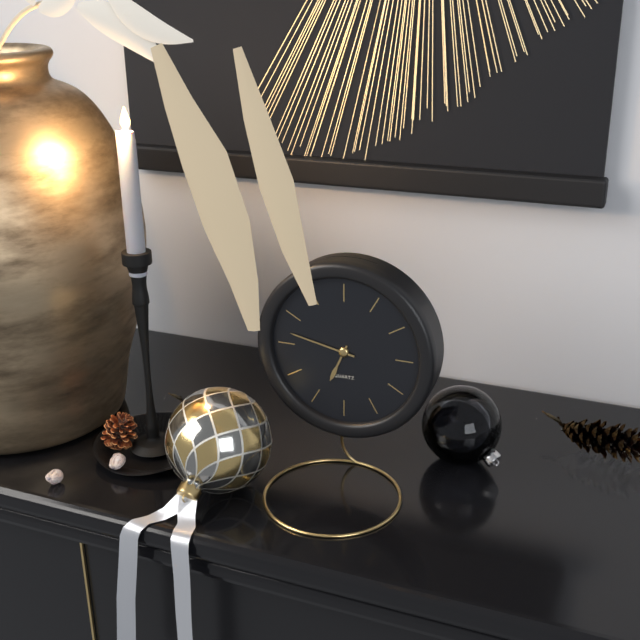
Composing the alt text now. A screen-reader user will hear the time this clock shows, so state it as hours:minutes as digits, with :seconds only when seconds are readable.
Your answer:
6:47
